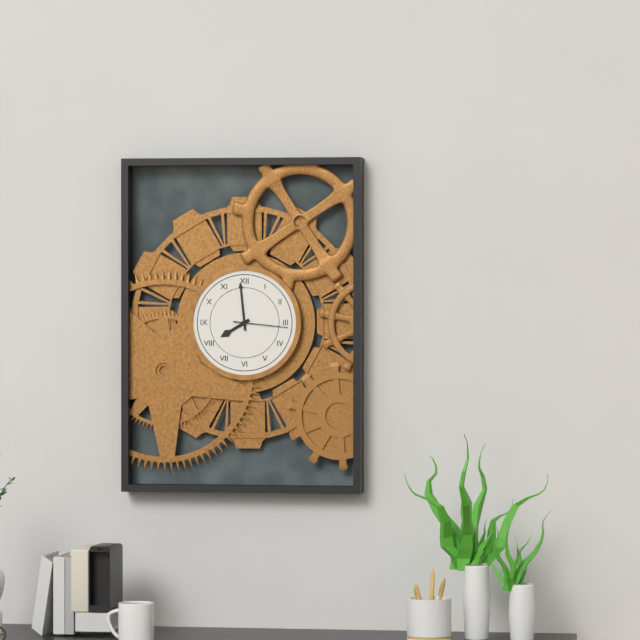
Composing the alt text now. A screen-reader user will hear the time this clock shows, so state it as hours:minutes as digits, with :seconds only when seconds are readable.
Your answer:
7:59:16
